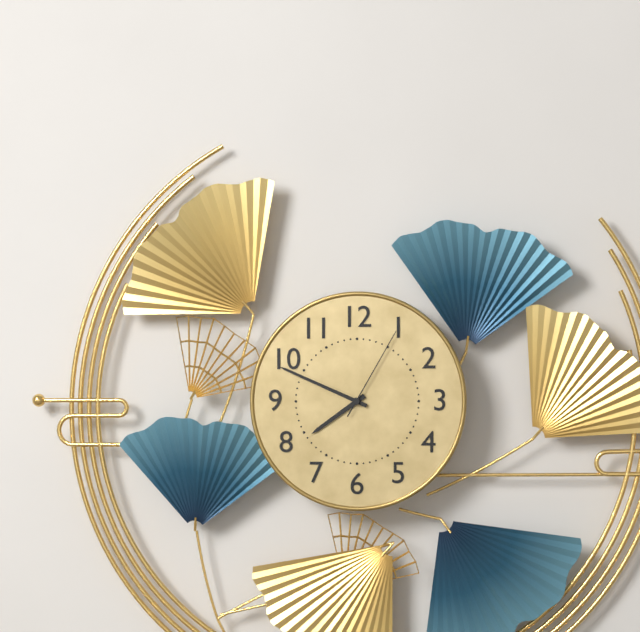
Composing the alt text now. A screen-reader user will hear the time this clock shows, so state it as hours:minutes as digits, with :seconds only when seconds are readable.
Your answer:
7:49:05
